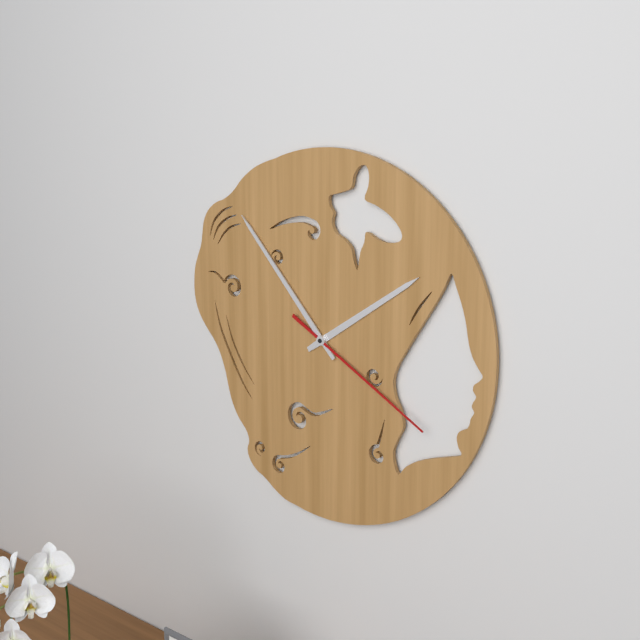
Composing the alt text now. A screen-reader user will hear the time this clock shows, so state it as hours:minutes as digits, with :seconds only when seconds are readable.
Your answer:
1:53:20
